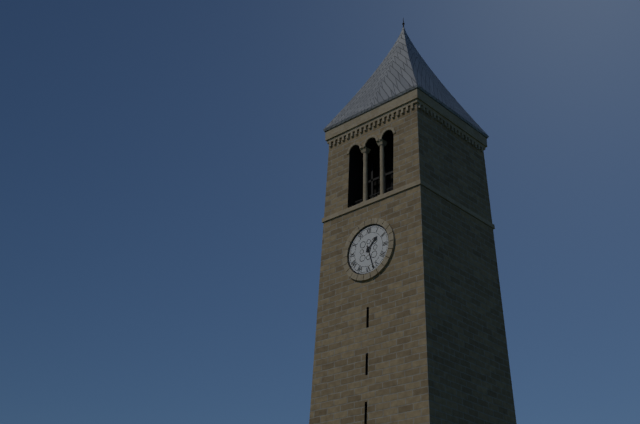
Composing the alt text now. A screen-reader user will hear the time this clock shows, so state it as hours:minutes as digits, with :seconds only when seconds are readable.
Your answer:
1:27
